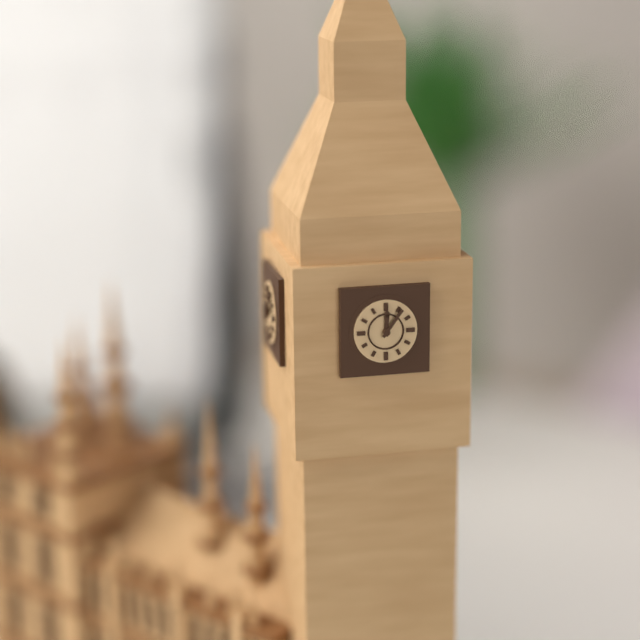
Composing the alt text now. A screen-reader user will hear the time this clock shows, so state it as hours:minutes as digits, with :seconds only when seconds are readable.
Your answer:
12:06
